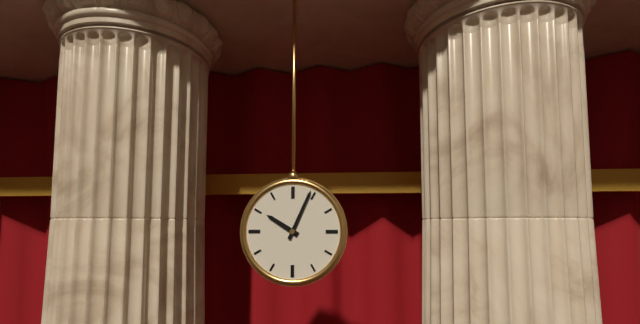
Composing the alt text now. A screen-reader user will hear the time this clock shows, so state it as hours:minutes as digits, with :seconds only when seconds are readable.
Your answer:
10:04
